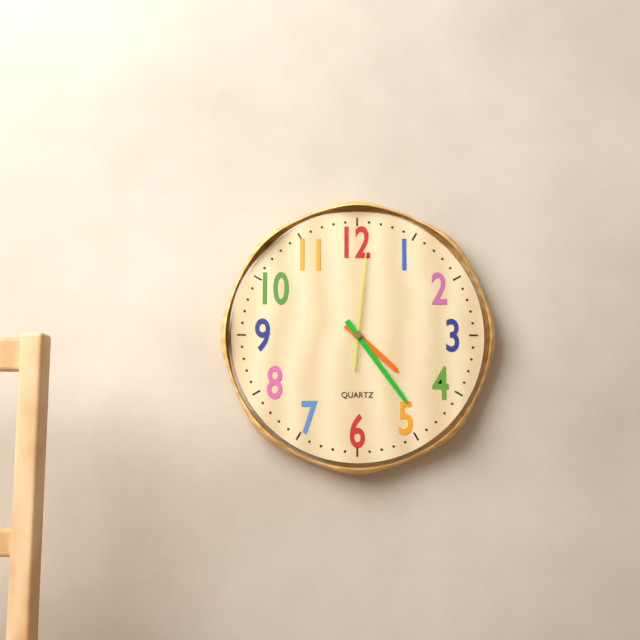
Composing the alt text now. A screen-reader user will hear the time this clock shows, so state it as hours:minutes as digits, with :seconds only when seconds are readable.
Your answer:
4:24:01
